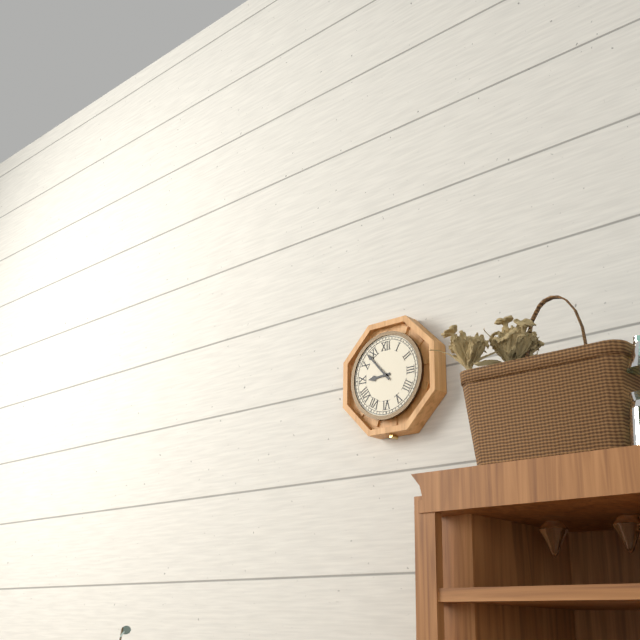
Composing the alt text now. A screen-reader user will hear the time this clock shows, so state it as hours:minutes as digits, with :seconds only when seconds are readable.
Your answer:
8:53
